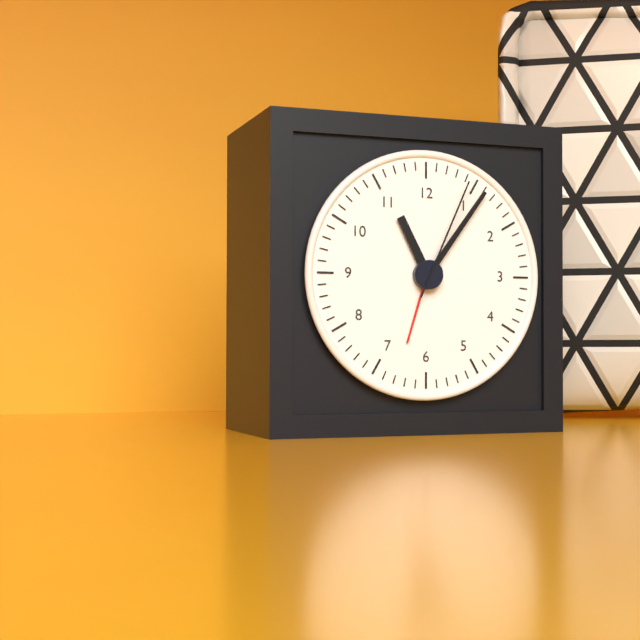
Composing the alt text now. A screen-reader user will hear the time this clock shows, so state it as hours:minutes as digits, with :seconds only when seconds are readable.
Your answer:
11:06:04
